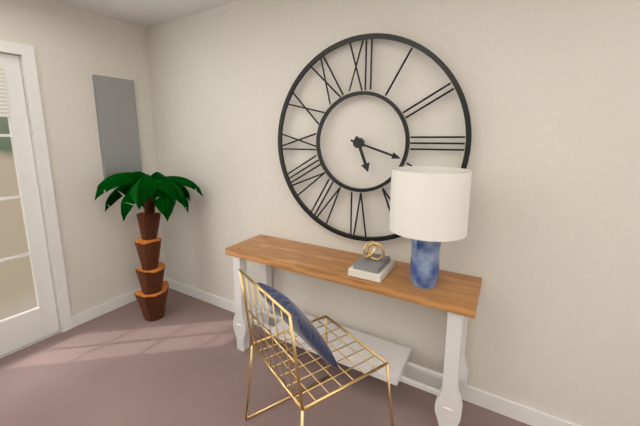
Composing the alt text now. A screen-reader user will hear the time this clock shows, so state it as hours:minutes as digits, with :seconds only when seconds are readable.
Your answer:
5:18
